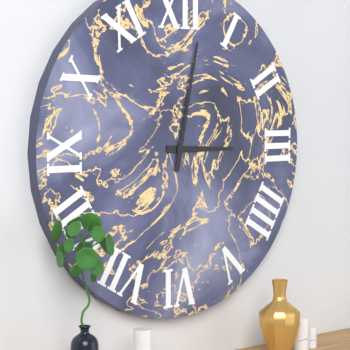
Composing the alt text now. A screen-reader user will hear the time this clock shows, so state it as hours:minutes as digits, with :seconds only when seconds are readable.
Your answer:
3:02
